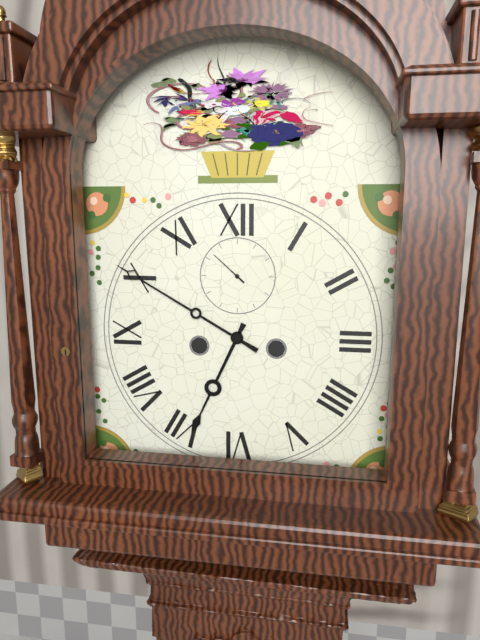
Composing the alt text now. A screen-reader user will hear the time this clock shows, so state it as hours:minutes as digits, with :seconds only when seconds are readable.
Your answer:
6:50
